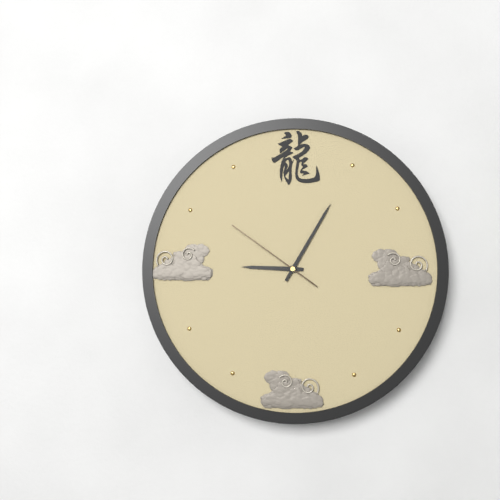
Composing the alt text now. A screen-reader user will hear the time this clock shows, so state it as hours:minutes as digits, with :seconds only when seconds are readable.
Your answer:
9:05:51
